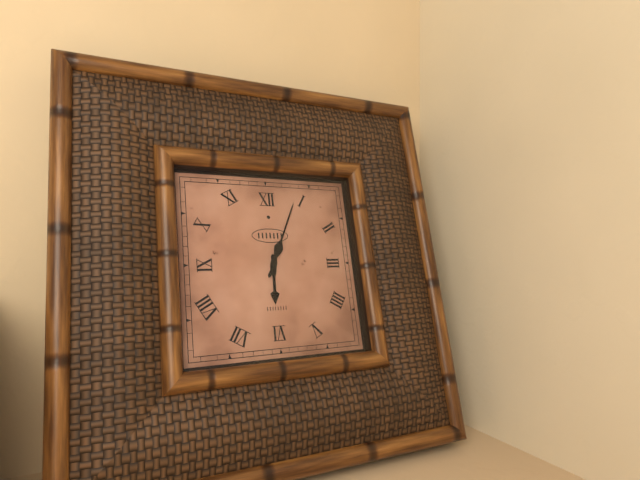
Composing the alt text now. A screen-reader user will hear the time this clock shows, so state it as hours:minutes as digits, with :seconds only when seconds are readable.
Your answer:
6:04
